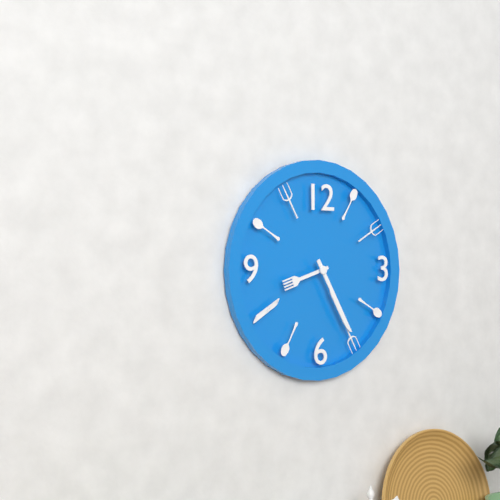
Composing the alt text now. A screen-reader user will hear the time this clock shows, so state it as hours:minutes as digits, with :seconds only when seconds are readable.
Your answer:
8:25
